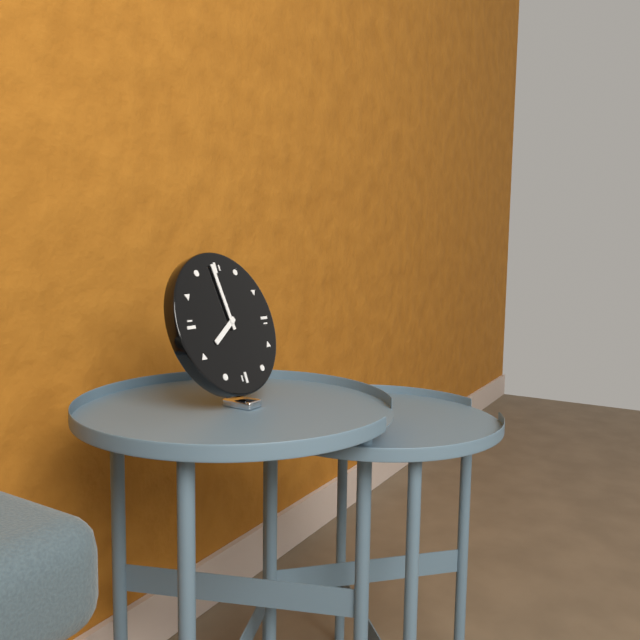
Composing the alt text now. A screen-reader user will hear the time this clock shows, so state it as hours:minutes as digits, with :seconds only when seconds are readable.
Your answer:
7:59
